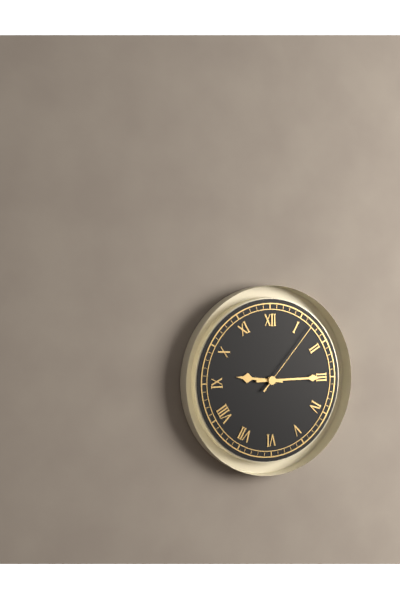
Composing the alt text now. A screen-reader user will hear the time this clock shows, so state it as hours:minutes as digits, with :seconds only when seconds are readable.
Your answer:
9:15:07
